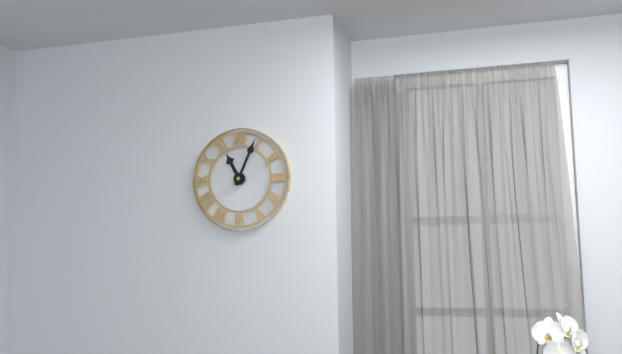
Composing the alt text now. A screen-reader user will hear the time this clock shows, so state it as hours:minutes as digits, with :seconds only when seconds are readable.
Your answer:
11:04
